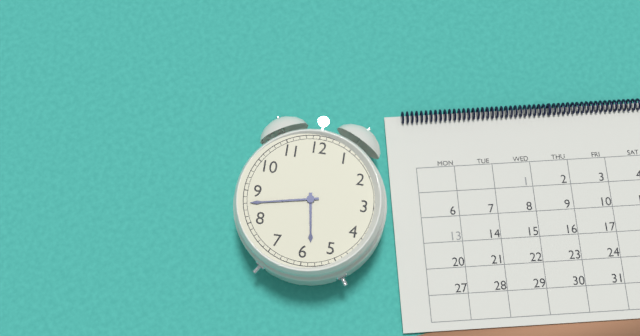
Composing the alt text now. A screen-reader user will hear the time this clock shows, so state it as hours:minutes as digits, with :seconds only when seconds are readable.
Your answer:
5:43
